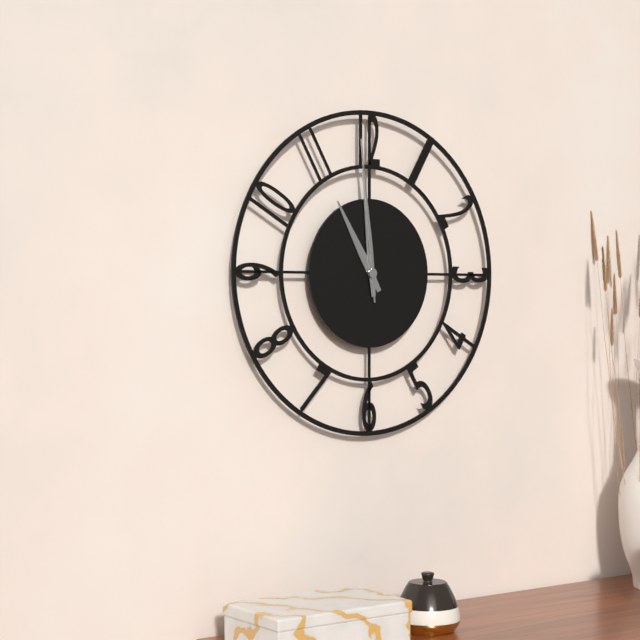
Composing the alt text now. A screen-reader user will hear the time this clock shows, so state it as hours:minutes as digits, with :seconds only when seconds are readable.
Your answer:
10:59:59
